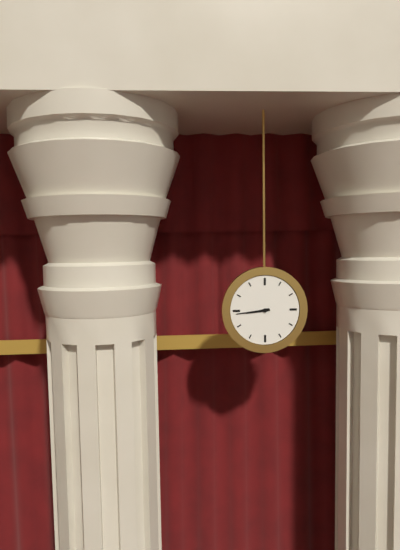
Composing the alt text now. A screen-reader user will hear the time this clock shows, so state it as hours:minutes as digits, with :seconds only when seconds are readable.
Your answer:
8:44
